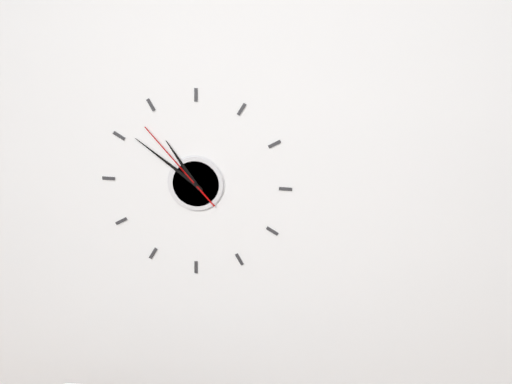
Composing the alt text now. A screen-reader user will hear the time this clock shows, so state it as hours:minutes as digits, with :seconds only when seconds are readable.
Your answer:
10:51:53
